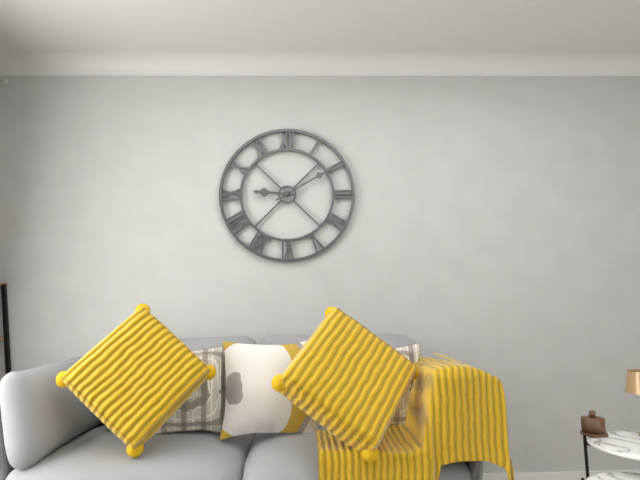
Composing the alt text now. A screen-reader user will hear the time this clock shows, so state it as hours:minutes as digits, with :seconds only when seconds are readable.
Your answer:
9:10
